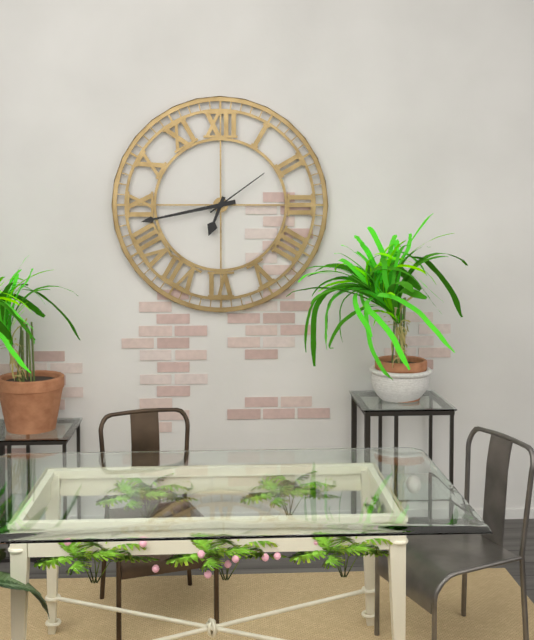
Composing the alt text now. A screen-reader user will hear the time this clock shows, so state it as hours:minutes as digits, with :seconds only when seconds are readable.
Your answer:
6:43:09
